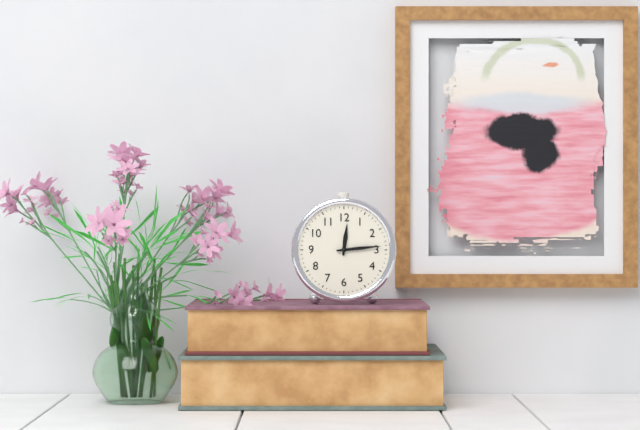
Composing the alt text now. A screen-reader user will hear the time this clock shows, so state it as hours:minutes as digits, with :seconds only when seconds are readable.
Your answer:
12:14
